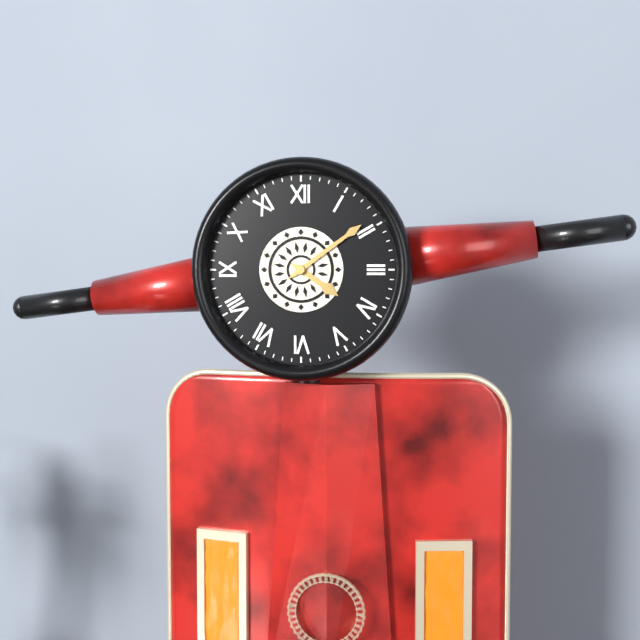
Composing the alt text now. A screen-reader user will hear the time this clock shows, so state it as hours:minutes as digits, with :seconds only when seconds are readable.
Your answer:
4:09
